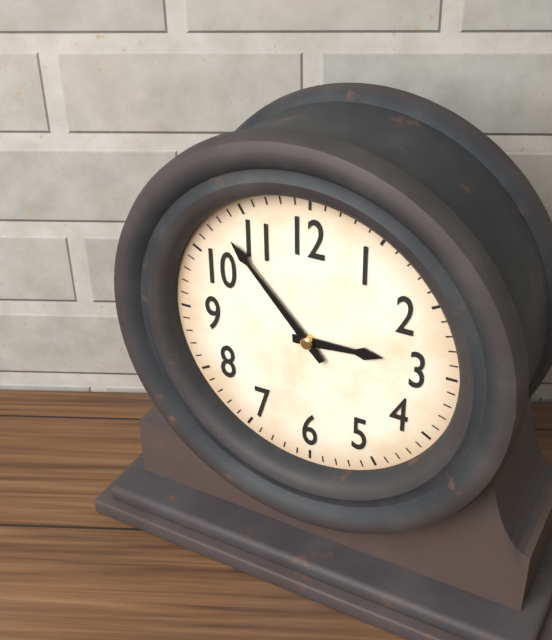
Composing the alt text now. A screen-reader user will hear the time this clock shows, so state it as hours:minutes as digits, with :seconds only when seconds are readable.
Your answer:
2:53
